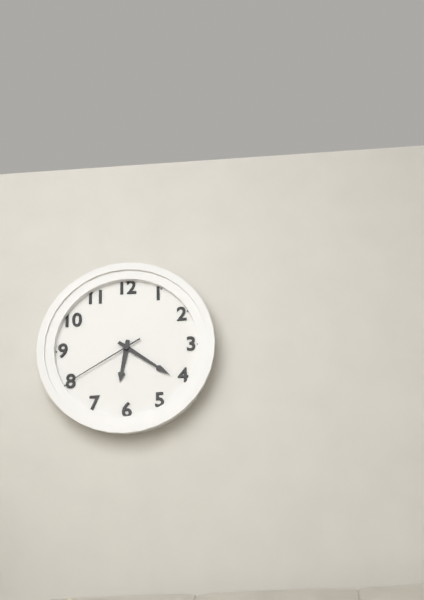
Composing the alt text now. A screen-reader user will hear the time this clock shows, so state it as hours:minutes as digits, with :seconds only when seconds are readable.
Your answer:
6:21:40
